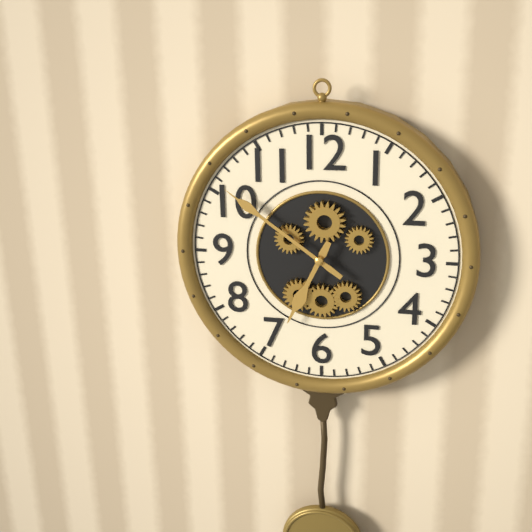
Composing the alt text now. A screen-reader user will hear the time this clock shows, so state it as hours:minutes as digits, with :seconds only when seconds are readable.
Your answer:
6:51
